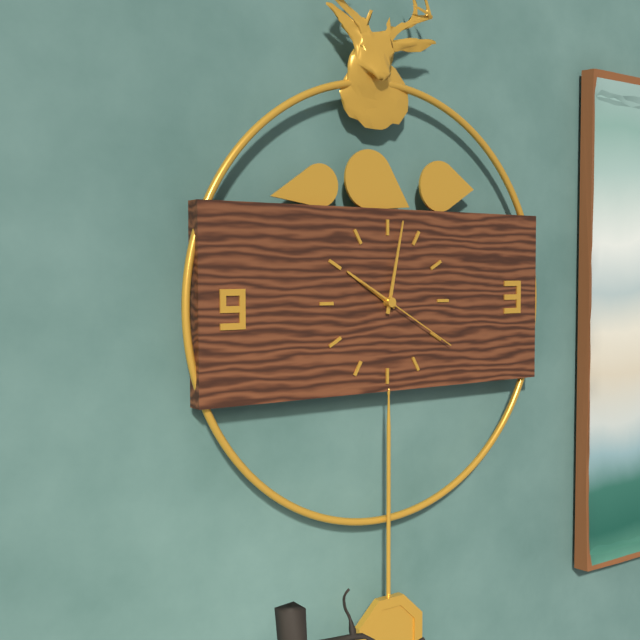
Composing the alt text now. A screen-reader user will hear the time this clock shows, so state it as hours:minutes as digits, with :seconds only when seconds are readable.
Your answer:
10:02:20
